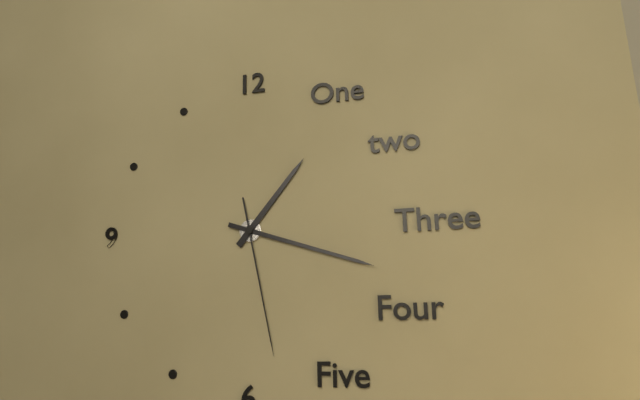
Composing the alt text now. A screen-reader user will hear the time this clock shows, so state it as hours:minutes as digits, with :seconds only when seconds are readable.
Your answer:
1:18:28
